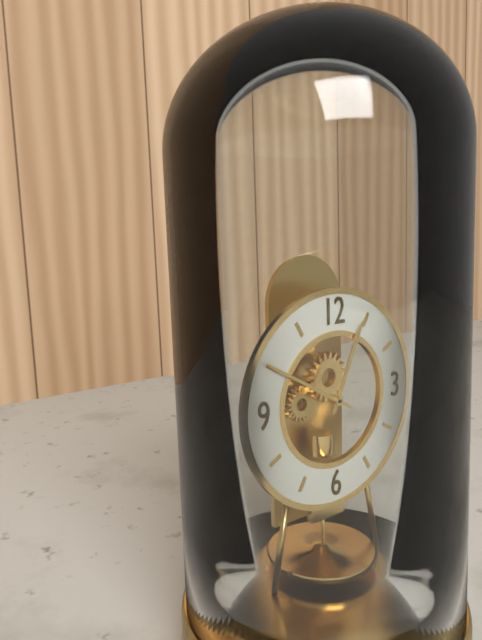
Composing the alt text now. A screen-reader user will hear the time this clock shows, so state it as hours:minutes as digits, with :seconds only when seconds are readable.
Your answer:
12:50
